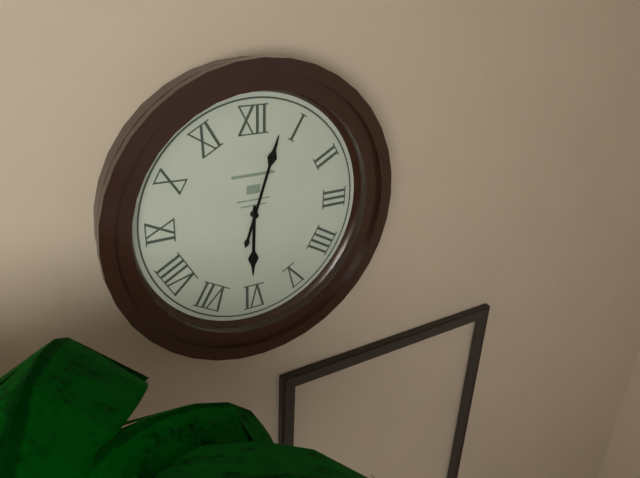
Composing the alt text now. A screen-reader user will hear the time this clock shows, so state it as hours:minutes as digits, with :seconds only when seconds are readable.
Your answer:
6:03
